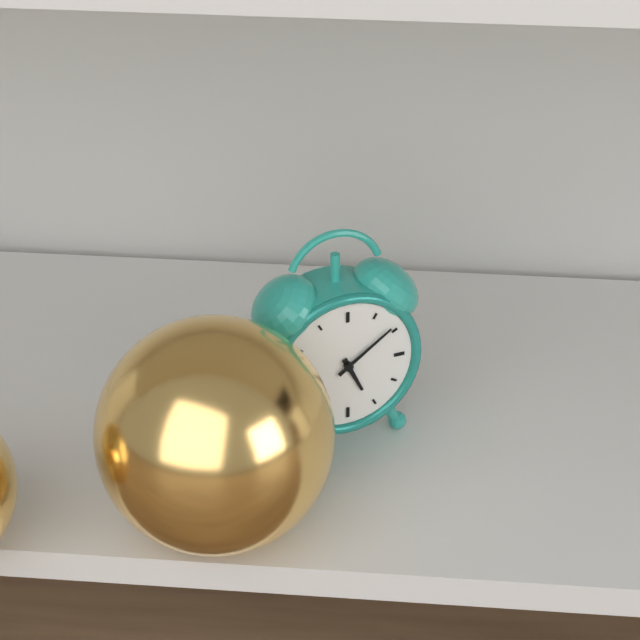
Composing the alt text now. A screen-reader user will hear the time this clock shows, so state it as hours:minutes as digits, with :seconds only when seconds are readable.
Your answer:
5:09
